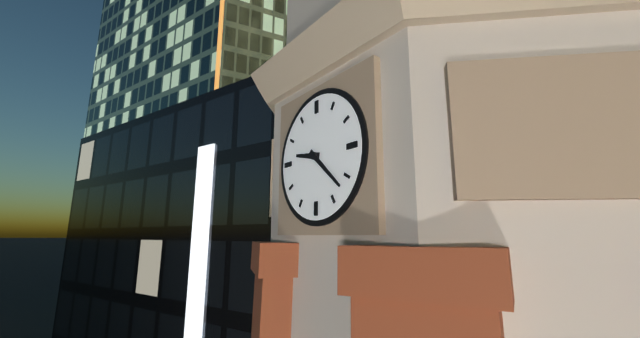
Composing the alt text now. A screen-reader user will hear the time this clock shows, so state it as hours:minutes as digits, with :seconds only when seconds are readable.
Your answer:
9:22
